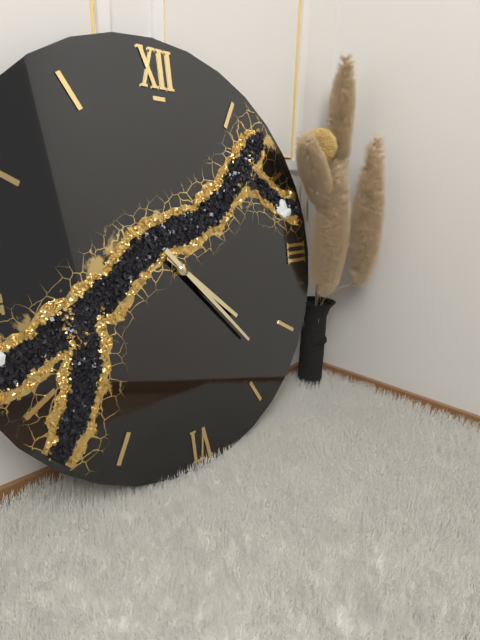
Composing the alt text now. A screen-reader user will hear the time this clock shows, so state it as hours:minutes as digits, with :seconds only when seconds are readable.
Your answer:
4:23
